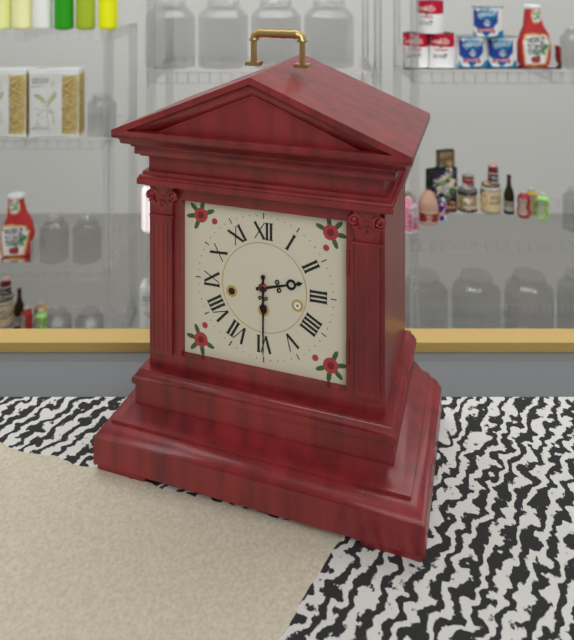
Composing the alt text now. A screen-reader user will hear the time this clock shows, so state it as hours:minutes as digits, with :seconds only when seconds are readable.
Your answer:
2:30
